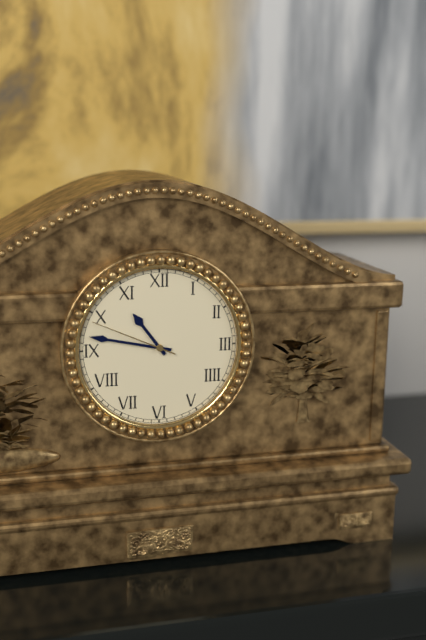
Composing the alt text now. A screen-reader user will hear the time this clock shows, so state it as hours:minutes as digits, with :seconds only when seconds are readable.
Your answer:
10:47:49
